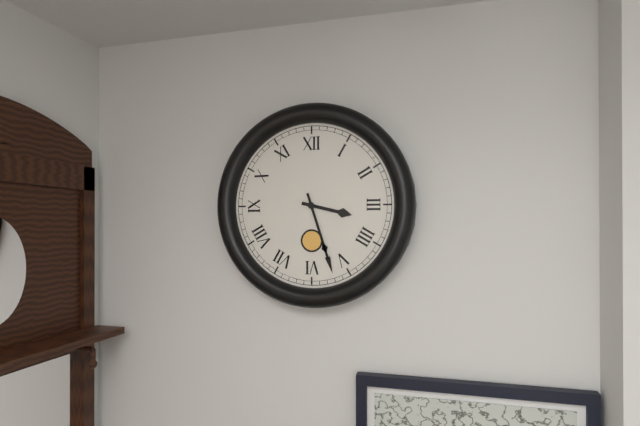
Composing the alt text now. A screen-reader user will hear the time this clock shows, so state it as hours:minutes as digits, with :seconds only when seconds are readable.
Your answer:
3:27
